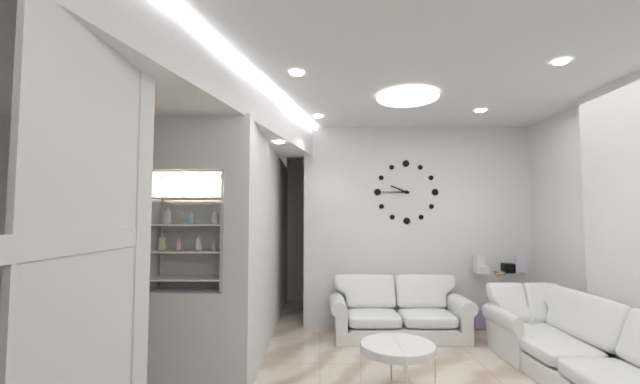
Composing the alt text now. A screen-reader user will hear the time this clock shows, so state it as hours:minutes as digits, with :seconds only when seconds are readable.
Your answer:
9:45
